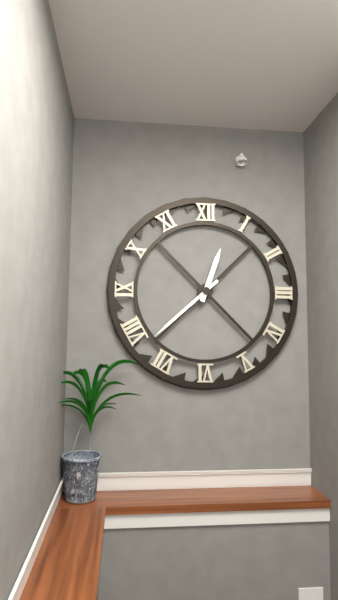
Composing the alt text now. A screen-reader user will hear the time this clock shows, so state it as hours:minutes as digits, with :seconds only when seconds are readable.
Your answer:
12:38
